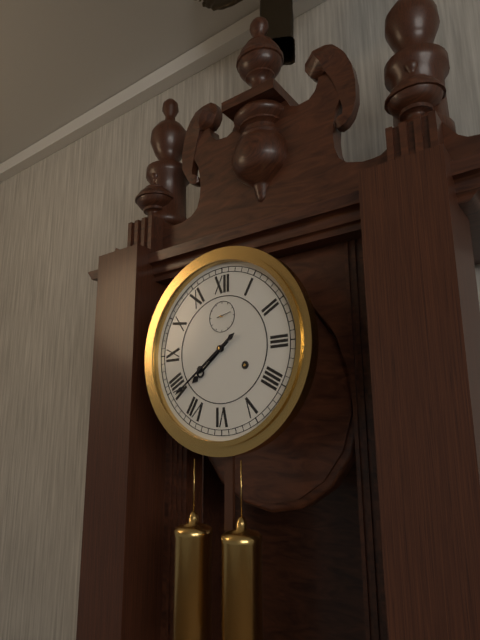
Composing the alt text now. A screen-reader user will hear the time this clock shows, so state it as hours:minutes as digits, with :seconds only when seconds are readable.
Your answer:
7:39
